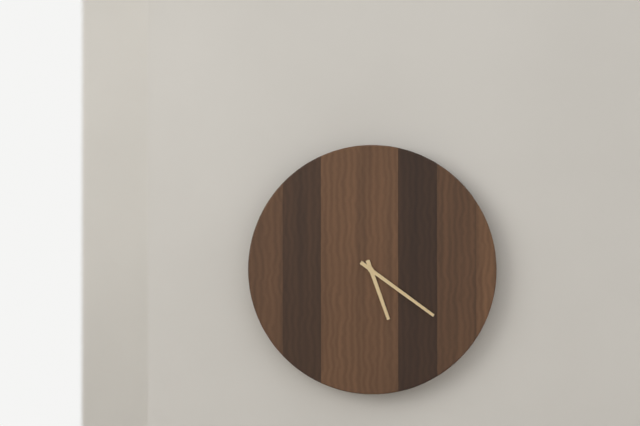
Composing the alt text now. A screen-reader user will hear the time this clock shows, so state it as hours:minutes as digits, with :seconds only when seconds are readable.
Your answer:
5:21
